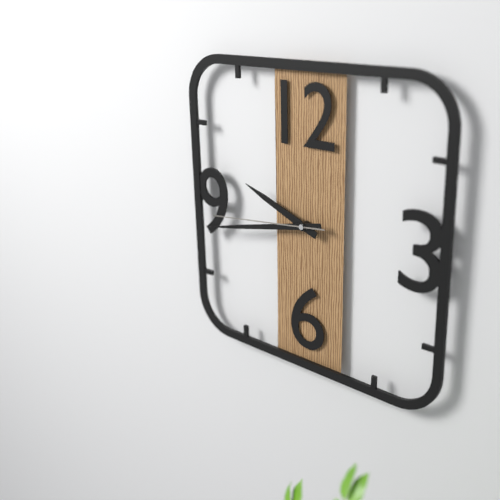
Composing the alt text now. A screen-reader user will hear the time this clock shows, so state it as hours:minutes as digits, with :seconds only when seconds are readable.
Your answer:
9:43:44
